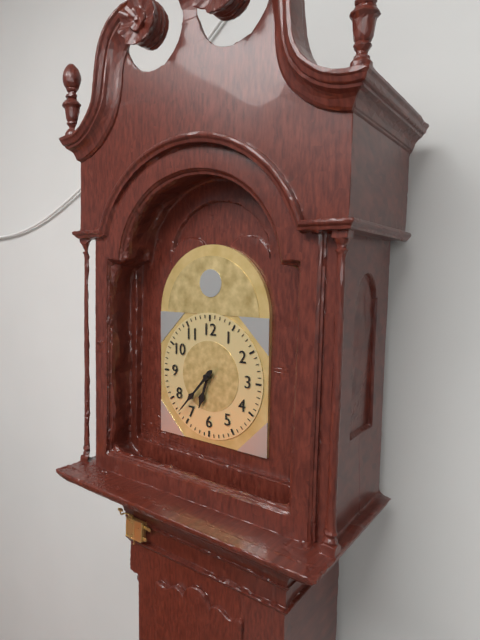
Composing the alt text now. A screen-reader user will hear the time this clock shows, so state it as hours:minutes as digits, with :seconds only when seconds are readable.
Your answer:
6:37
